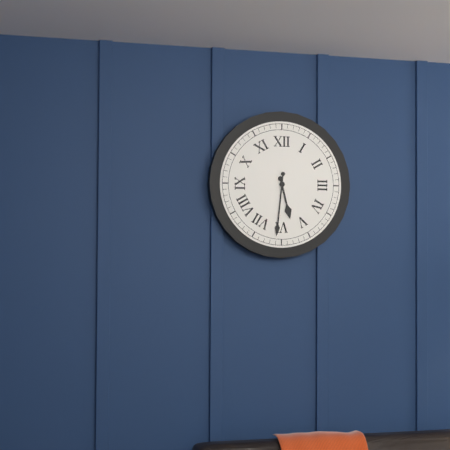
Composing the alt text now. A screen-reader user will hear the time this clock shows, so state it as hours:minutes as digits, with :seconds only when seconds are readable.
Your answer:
5:31
